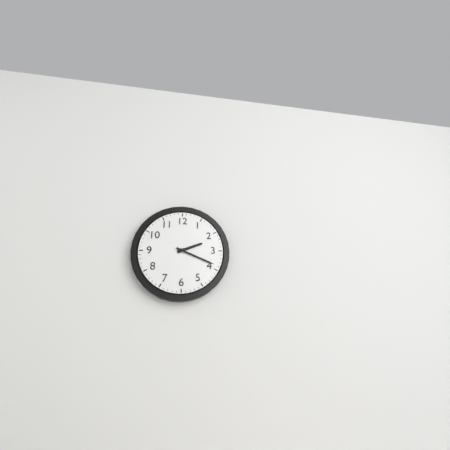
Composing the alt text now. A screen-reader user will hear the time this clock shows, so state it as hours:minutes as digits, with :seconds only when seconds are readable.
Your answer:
2:19
